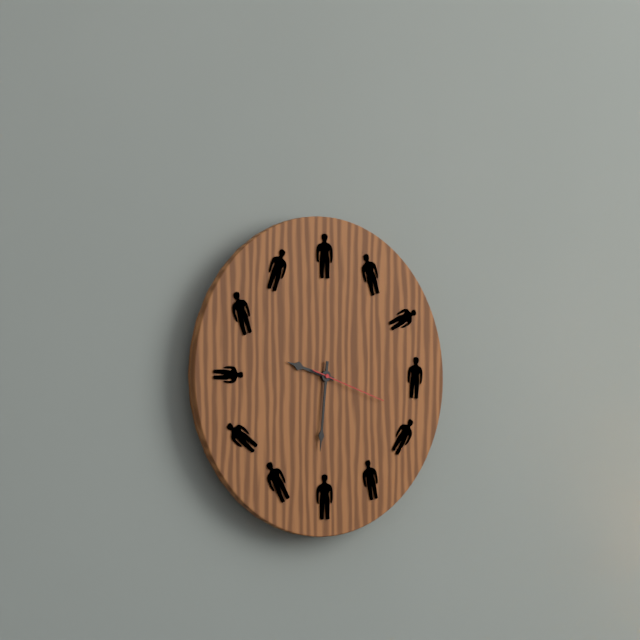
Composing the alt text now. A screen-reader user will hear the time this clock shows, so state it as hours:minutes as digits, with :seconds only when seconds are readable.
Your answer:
9:31:18
